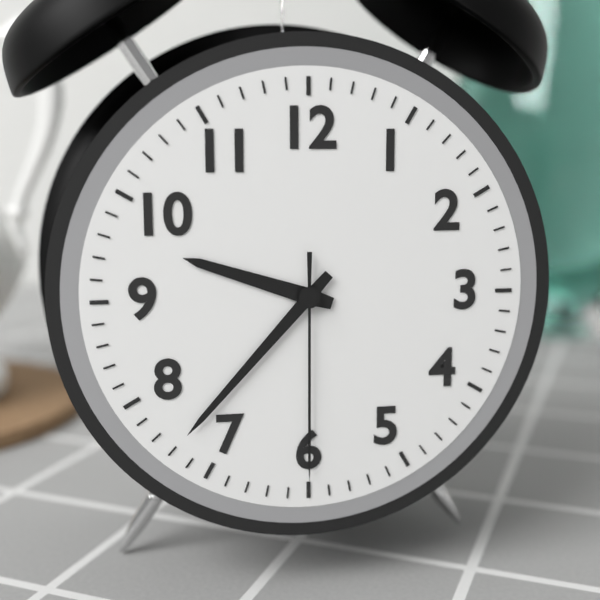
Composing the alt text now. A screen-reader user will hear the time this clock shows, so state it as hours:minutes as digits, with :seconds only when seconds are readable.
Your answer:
9:37:30
